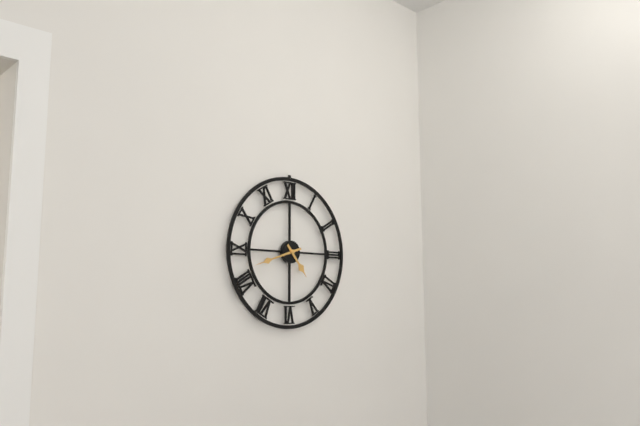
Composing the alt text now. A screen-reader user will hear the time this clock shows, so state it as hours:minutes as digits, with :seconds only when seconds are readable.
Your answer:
4:42
